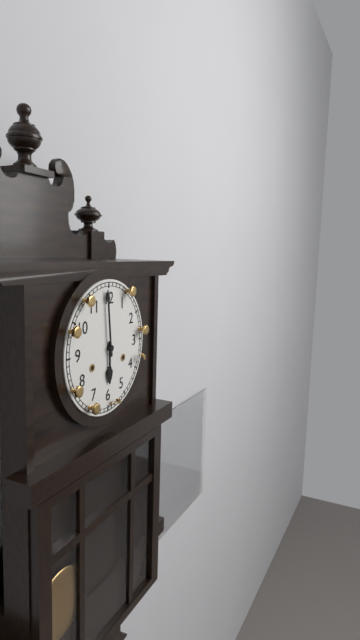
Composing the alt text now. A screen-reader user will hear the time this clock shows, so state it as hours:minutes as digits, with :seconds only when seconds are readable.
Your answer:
5:59
